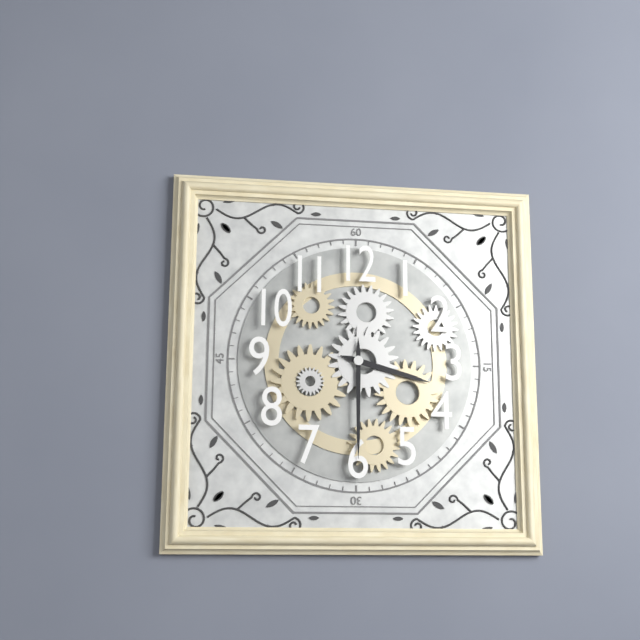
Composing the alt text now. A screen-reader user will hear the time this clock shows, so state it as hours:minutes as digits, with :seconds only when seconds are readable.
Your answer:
3:30
